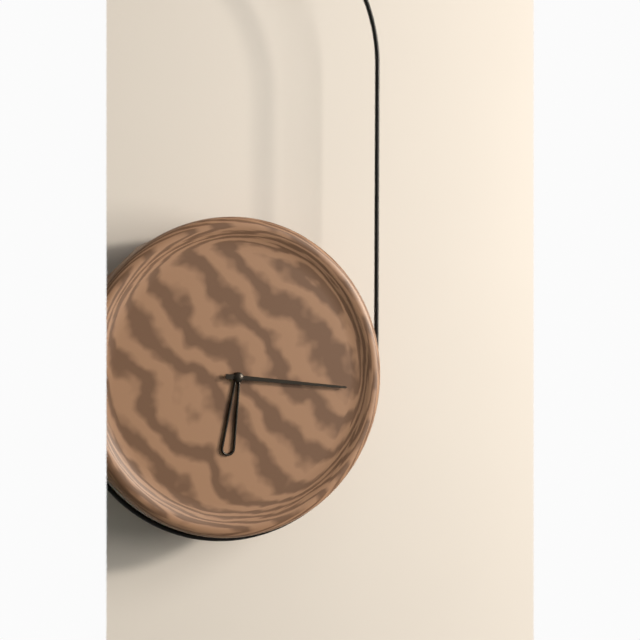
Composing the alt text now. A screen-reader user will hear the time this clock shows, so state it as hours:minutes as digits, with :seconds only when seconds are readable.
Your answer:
6:16
